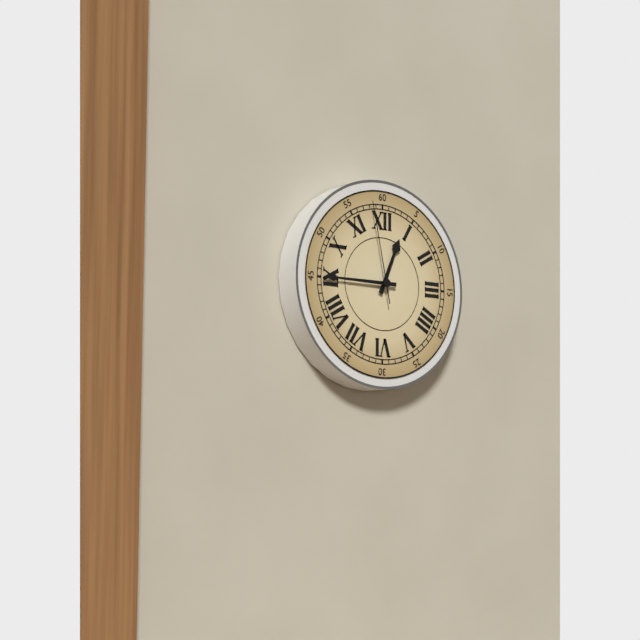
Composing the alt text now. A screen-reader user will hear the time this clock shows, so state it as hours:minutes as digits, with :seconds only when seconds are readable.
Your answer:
12:45:58
